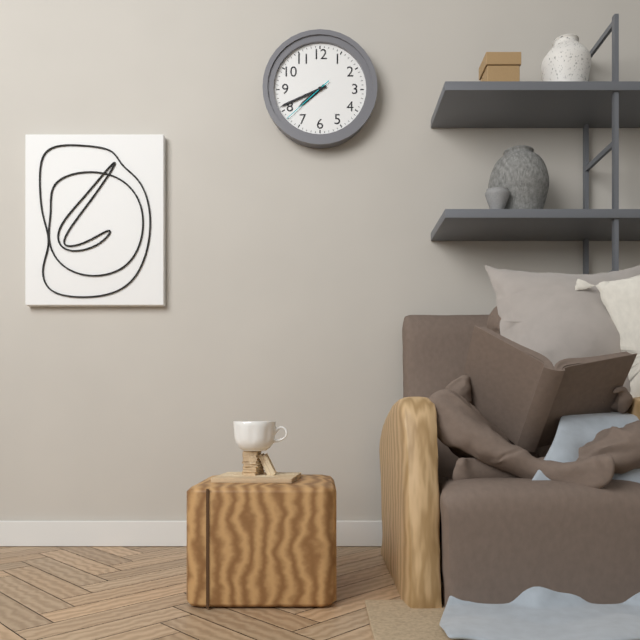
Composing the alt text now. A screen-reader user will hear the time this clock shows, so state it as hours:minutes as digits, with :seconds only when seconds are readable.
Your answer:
7:41:38
